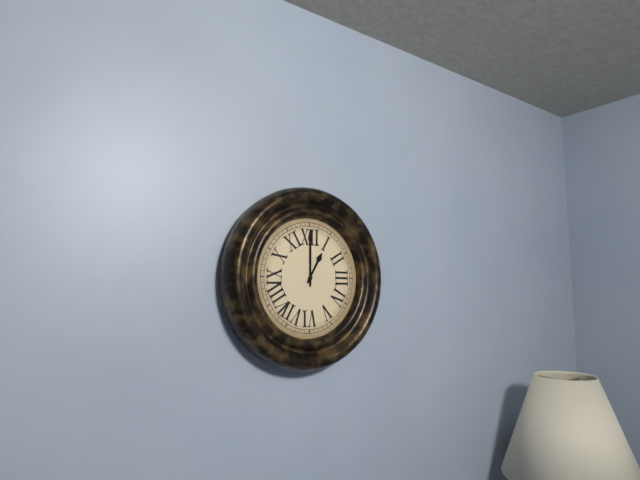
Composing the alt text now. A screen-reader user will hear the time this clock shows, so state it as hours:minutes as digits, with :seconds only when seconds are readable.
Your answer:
1:00
